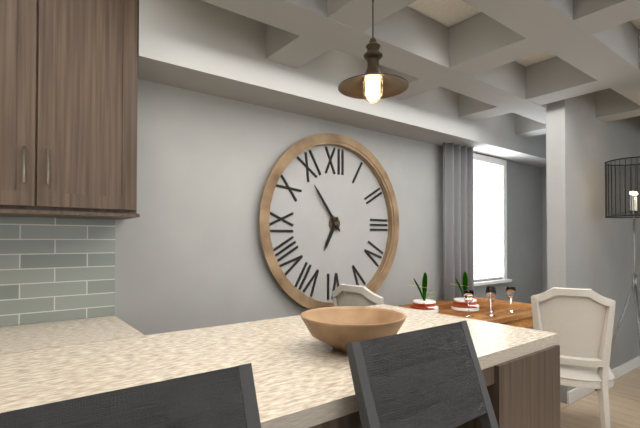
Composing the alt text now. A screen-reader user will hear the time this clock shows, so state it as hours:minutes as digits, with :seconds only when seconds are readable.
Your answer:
6:54
